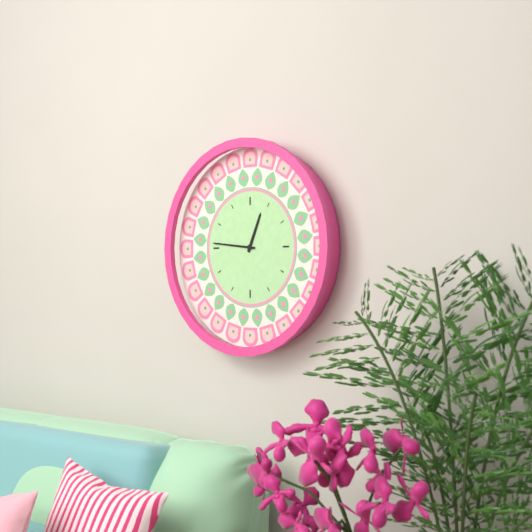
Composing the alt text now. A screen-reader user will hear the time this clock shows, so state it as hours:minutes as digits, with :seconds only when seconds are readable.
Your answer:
12:46
